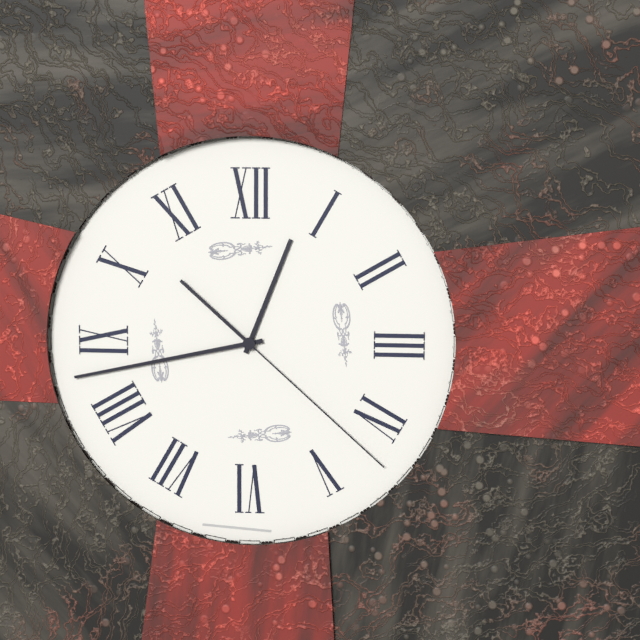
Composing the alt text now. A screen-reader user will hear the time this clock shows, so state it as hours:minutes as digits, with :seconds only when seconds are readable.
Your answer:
12:43:22
